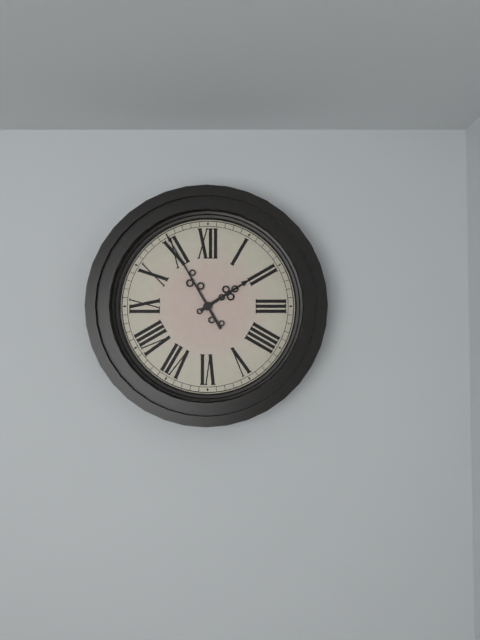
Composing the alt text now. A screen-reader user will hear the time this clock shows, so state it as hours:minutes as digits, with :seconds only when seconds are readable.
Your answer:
1:55
